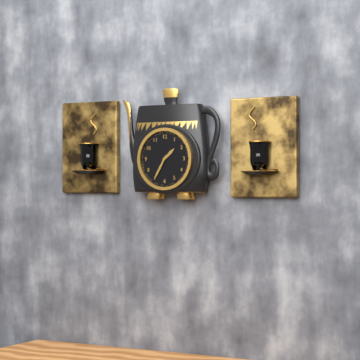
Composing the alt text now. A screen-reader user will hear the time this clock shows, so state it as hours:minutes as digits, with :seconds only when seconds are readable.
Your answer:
1:35
